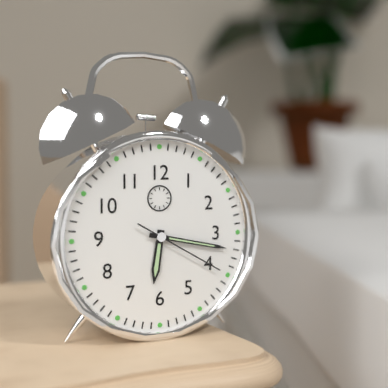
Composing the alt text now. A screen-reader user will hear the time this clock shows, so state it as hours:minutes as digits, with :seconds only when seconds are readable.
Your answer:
6:17:20
